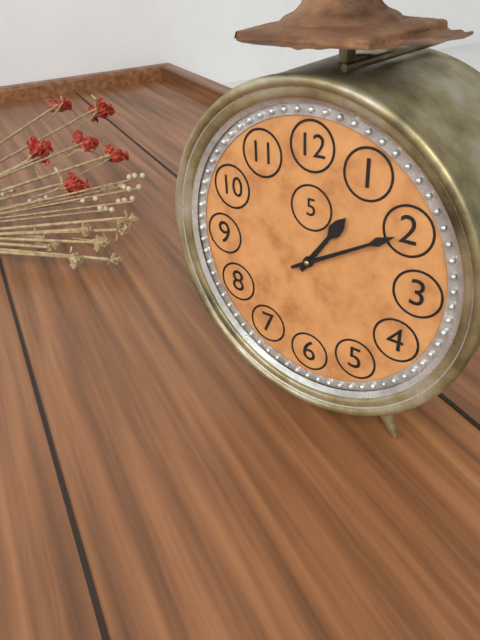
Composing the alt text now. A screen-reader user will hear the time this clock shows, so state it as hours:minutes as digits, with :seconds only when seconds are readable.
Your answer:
1:10
